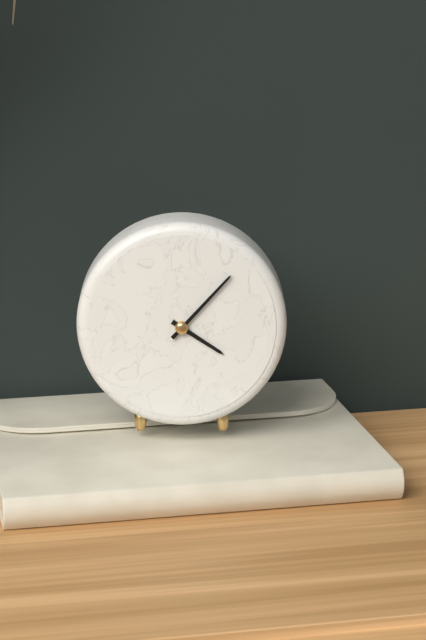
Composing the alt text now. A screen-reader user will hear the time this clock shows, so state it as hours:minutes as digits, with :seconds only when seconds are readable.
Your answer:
4:07
